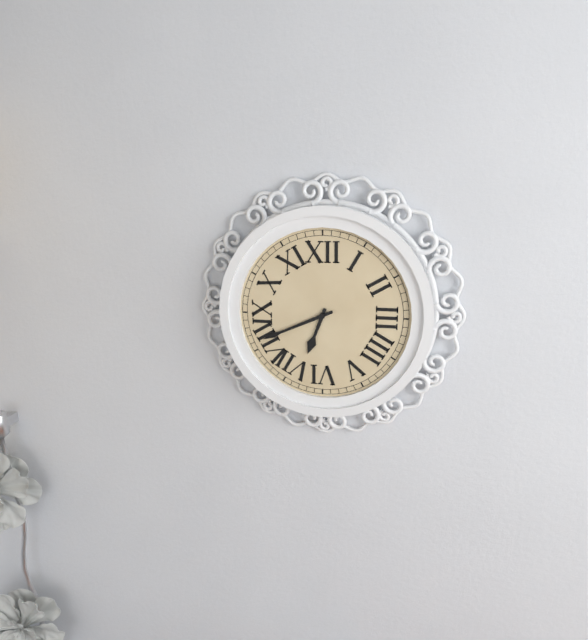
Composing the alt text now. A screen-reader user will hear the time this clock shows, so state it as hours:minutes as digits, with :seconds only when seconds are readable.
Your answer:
6:41
